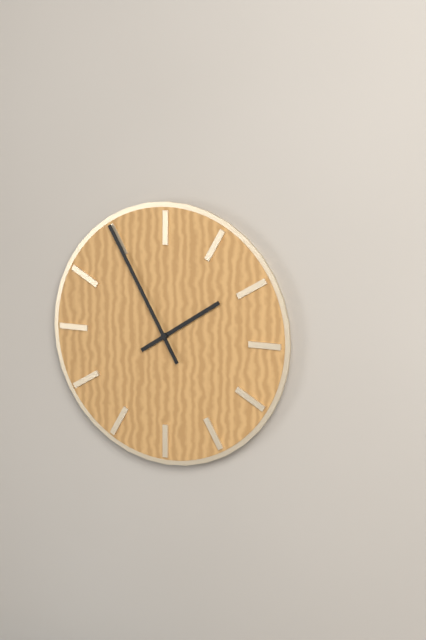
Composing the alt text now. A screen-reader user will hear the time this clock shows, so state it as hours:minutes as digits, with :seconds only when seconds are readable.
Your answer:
1:55
